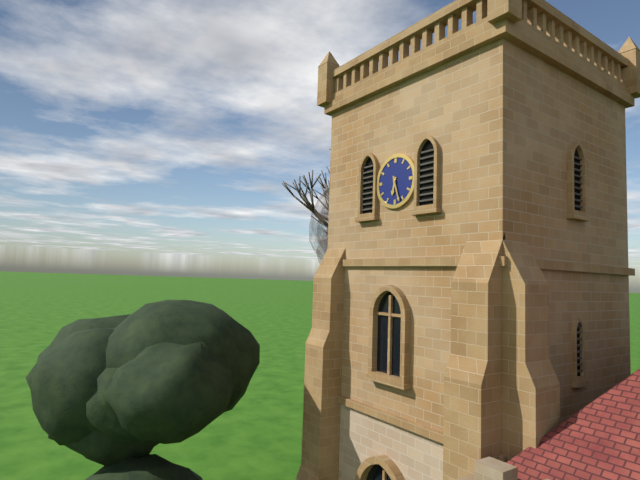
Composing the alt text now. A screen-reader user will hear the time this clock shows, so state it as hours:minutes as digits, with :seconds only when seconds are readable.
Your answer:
6:27
